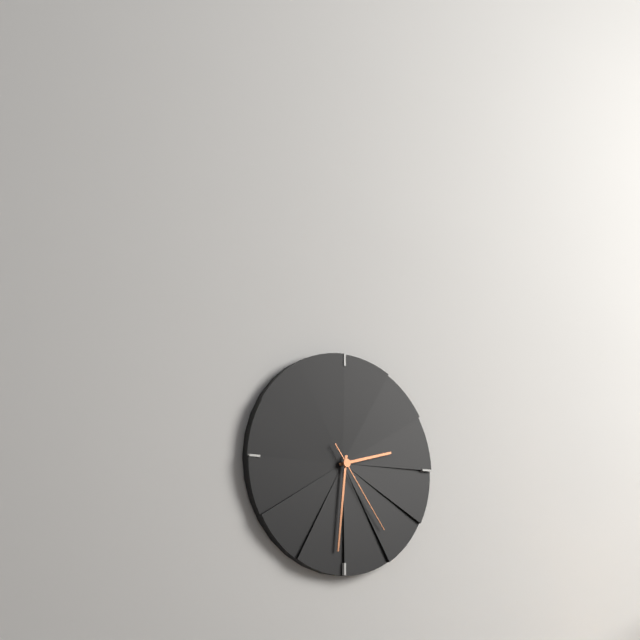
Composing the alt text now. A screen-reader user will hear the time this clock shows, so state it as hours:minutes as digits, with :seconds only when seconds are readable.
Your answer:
2:31:24
